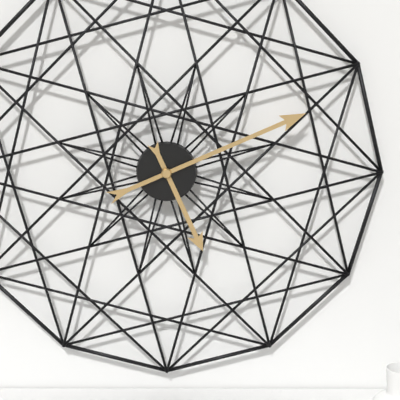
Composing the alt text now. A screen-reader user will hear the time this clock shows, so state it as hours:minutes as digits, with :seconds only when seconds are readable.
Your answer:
5:11
